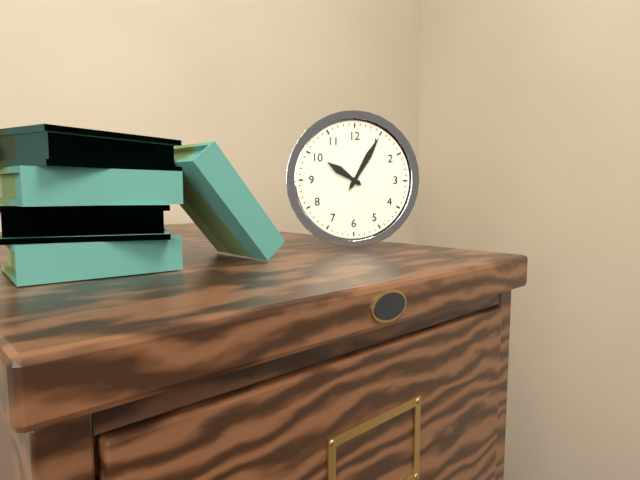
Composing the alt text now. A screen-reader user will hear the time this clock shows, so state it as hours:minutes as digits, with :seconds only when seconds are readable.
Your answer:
10:05
